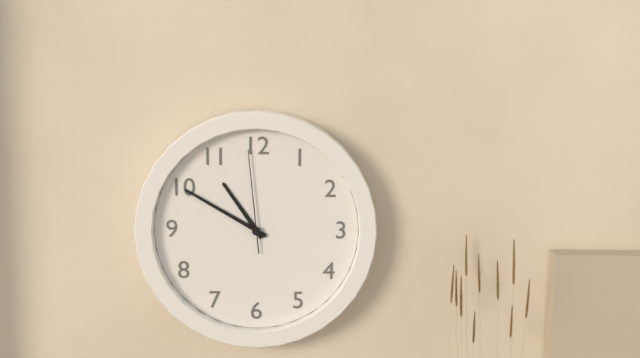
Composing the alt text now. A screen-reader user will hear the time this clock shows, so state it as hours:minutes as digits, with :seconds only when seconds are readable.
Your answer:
10:50:59
